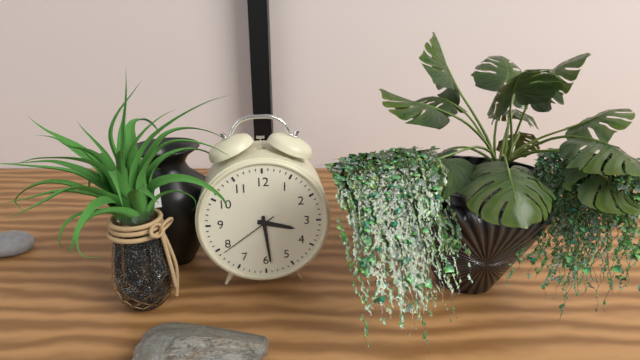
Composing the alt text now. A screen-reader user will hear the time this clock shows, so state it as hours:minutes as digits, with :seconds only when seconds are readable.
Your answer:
3:29:39
